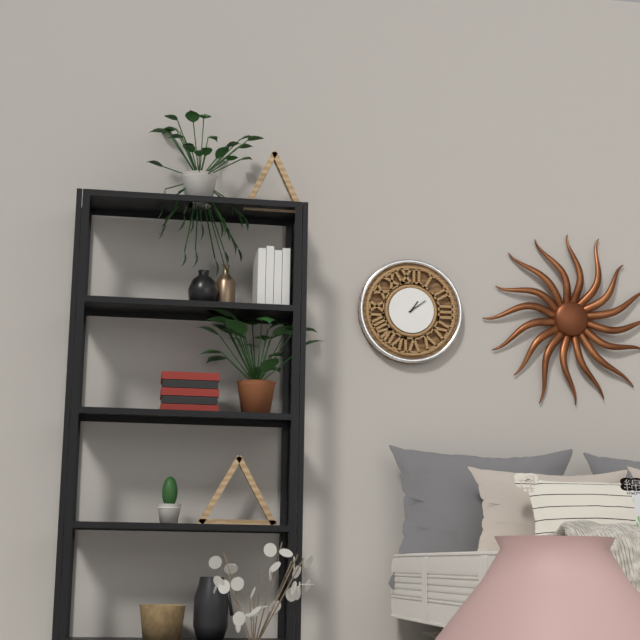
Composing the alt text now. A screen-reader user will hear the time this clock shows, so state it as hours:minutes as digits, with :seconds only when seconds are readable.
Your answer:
1:09
